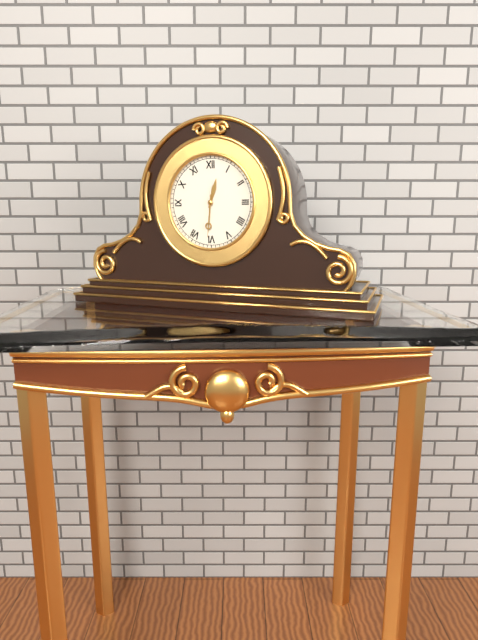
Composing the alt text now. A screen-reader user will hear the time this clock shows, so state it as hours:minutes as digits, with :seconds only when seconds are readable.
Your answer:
12:31
